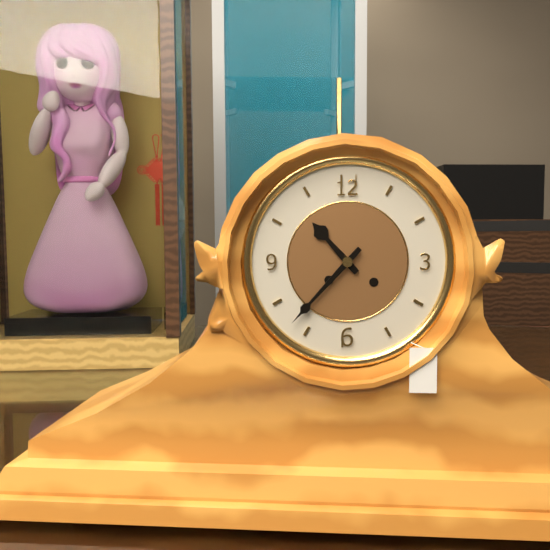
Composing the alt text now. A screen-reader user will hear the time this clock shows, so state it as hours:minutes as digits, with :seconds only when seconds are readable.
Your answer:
10:37
